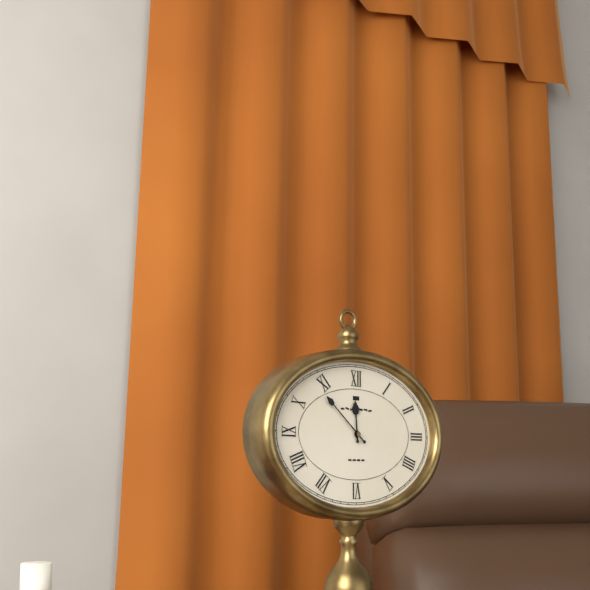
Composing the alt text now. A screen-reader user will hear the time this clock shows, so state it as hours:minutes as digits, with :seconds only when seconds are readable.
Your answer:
11:52
